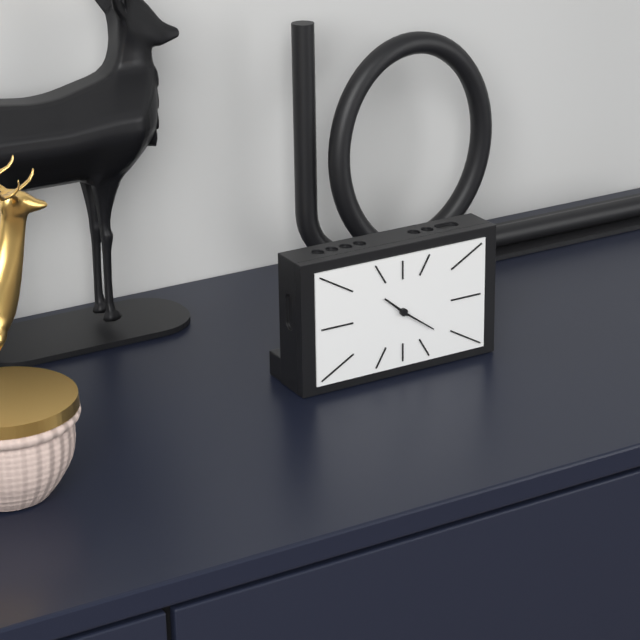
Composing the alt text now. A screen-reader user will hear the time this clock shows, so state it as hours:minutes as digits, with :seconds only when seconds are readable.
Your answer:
10:21
